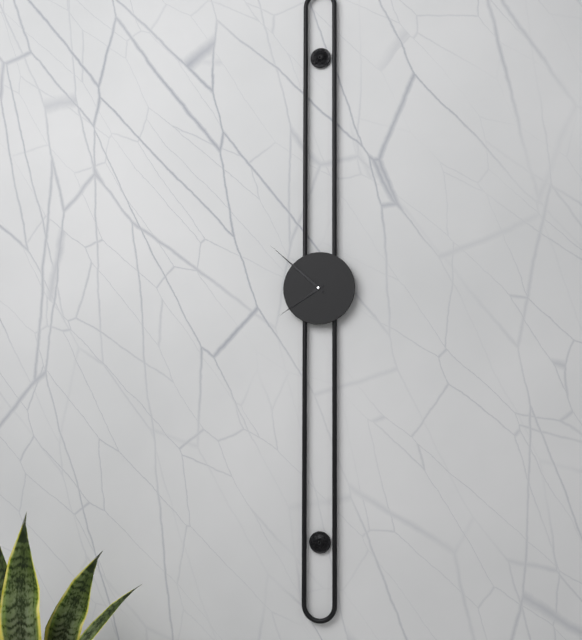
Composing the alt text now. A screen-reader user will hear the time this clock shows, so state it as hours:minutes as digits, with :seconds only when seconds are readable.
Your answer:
7:52
